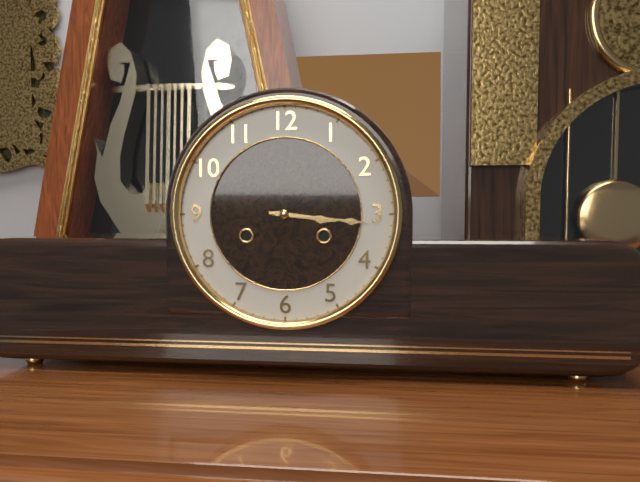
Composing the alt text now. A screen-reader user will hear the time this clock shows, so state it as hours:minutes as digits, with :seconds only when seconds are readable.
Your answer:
3:16
